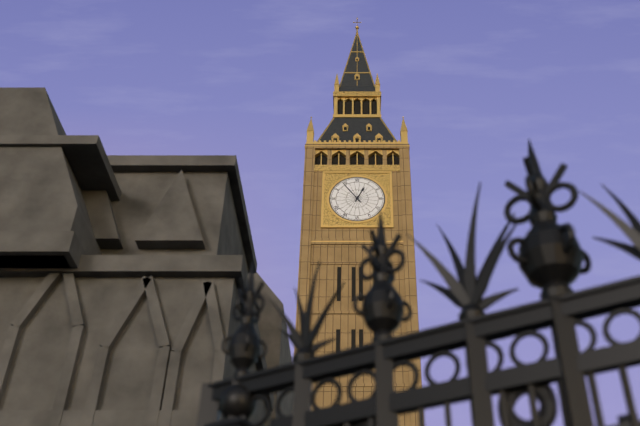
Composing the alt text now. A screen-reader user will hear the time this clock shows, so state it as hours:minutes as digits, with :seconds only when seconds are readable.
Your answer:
12:54
